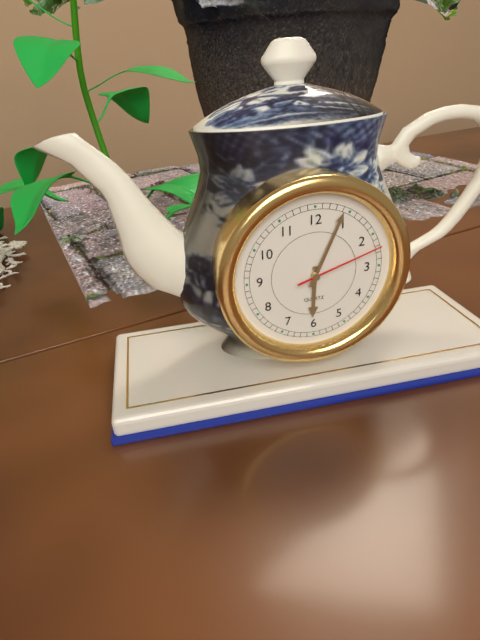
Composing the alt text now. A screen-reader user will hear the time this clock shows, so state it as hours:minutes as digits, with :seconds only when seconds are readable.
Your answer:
6:04:12
